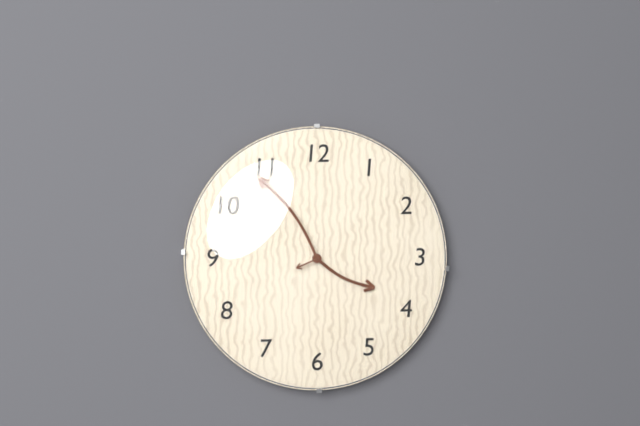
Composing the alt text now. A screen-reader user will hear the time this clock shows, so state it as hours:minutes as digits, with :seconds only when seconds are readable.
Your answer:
3:54
